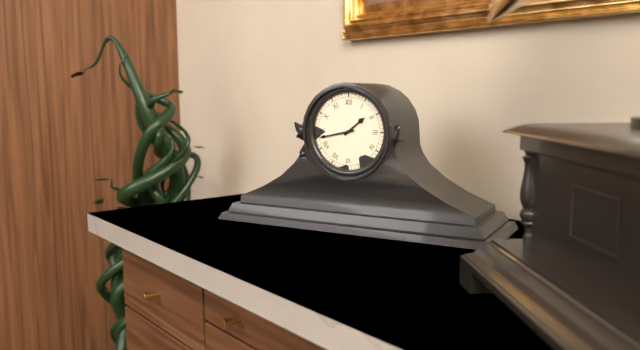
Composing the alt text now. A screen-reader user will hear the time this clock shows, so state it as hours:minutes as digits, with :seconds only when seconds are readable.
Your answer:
1:43
